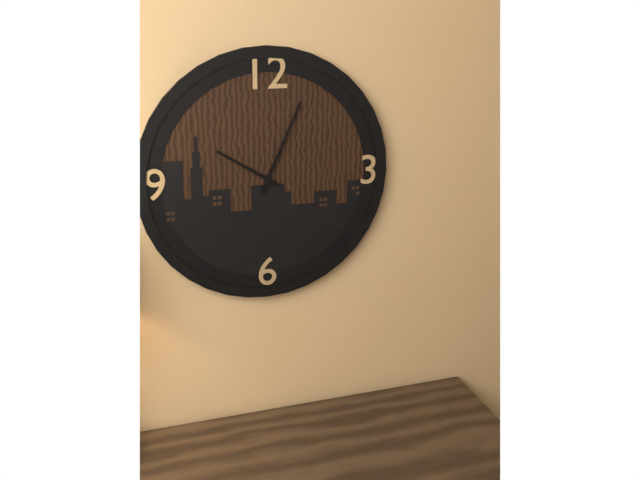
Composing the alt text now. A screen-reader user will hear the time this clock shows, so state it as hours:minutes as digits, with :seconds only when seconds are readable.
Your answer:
10:04
